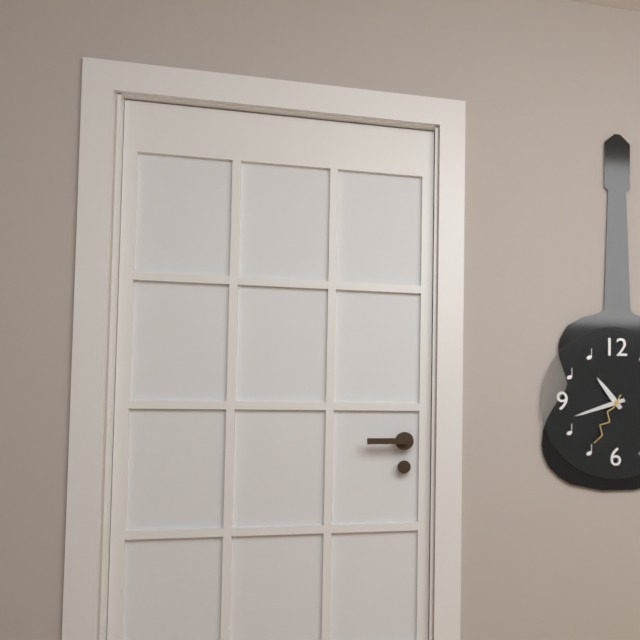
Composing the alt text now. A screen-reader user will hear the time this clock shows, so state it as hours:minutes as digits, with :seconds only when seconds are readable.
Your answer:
10:42:35
